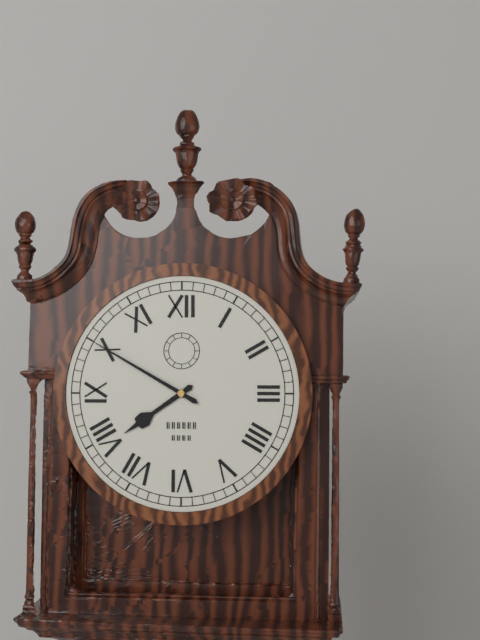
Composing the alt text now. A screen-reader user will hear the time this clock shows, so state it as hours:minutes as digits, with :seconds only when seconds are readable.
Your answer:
7:50
